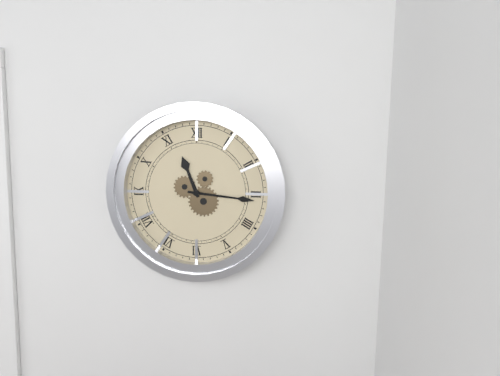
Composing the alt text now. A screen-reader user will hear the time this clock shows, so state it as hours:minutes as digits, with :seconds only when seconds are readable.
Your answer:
11:16
